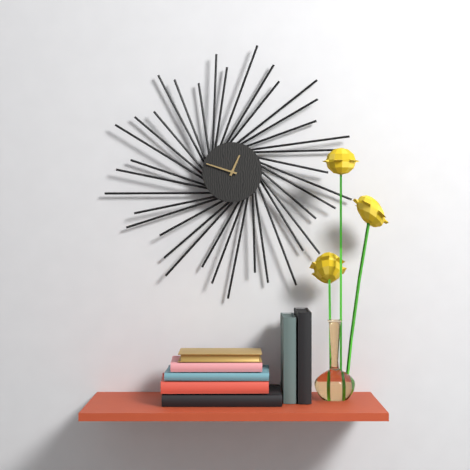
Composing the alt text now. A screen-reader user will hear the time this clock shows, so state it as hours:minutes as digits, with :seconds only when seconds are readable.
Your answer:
12:48
